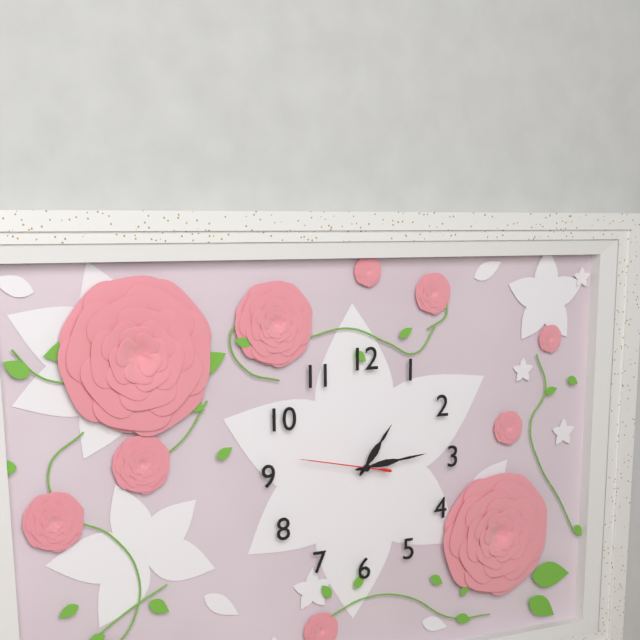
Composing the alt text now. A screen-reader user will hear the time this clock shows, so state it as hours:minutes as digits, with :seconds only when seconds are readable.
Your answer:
1:14:47
